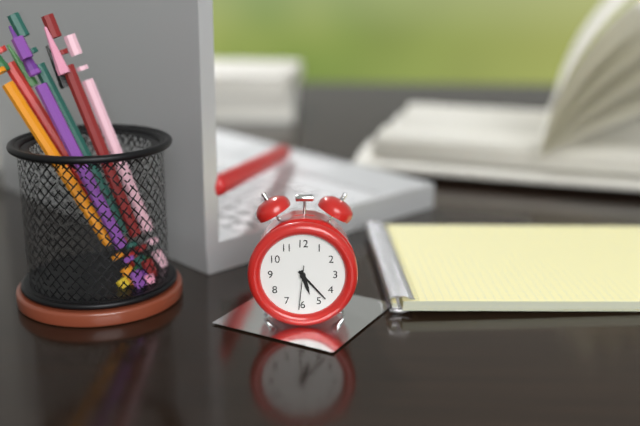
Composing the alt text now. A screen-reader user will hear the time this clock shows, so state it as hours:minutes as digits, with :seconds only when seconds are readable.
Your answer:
5:23
